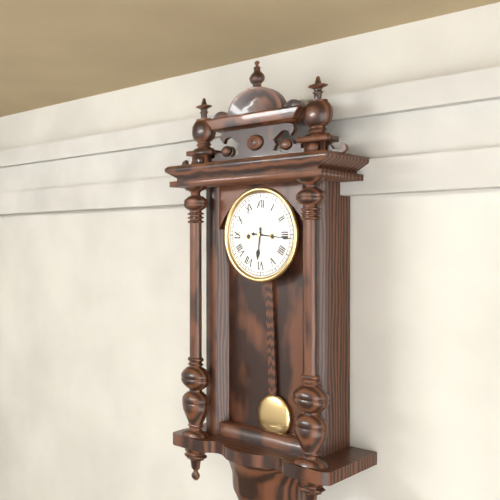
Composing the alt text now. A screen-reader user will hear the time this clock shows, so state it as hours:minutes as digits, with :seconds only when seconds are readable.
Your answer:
6:16
